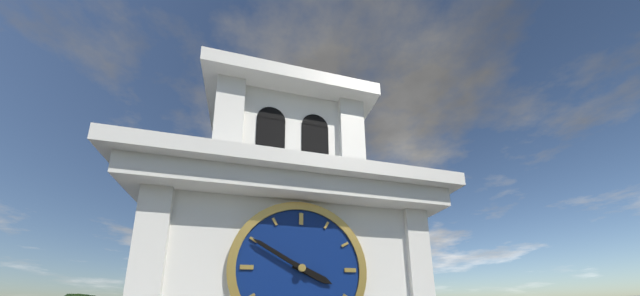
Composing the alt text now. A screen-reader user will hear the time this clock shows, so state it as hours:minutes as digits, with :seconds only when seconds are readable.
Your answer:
3:50
